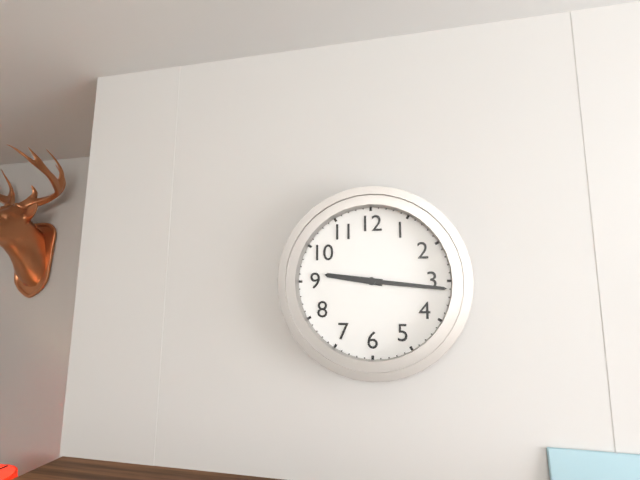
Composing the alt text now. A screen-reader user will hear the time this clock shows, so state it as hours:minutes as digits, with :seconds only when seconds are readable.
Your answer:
9:16
